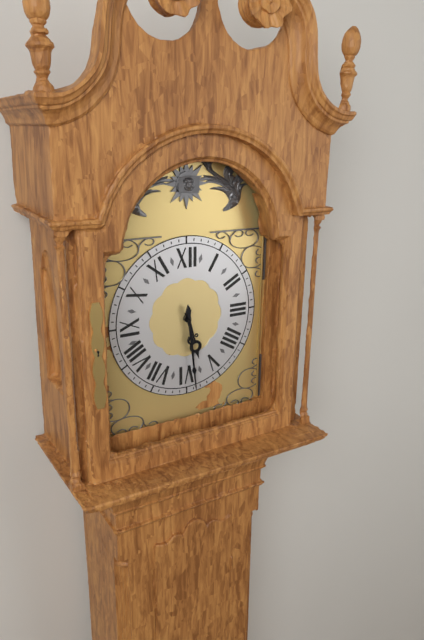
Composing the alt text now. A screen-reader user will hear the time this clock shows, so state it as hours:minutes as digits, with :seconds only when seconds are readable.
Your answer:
5:29
